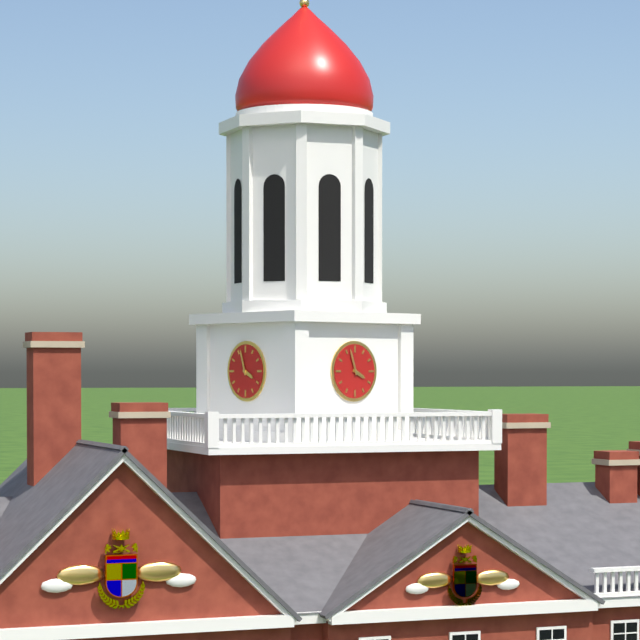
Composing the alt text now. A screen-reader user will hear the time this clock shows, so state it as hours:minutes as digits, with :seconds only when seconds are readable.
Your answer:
3:57
